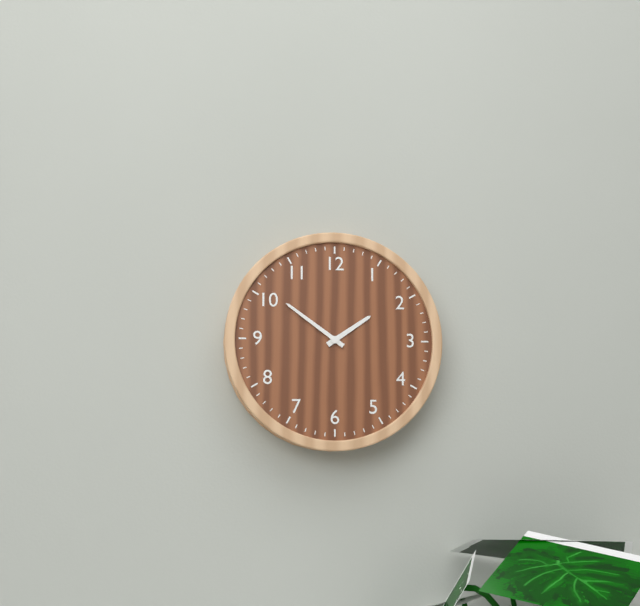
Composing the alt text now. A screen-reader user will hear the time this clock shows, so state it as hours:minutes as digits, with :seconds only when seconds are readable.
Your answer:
1:51
